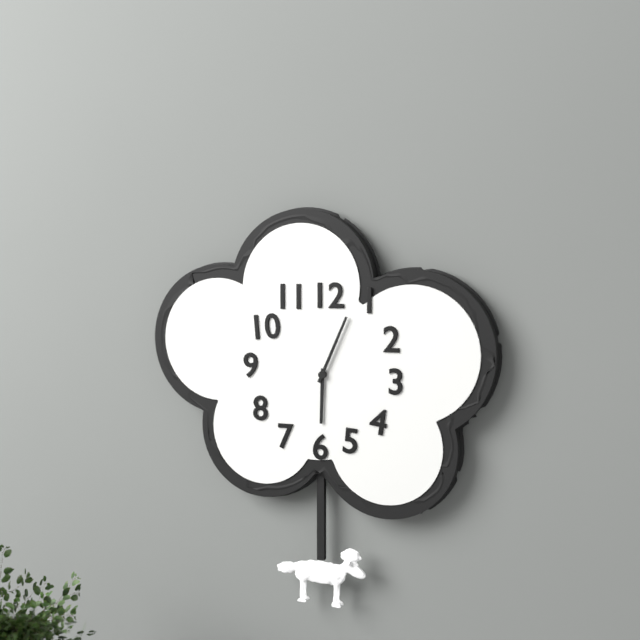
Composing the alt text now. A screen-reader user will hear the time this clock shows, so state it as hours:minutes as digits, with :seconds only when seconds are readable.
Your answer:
6:04
